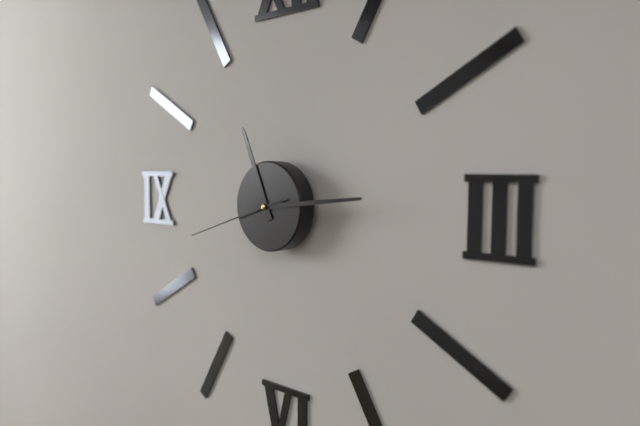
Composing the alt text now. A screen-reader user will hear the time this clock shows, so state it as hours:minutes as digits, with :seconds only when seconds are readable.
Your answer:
11:14:42
